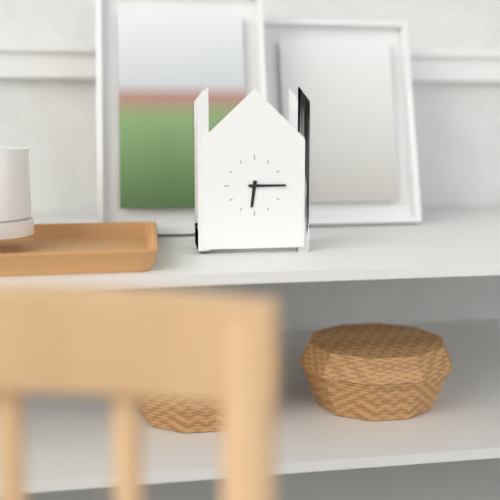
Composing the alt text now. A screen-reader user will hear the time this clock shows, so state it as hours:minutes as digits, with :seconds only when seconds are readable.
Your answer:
6:15
